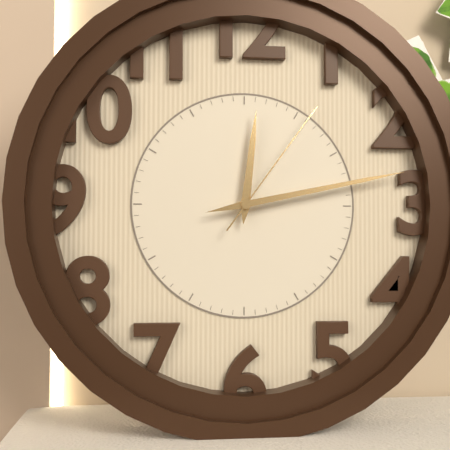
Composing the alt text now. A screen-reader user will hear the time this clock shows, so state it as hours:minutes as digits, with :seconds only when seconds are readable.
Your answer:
12:13:06
